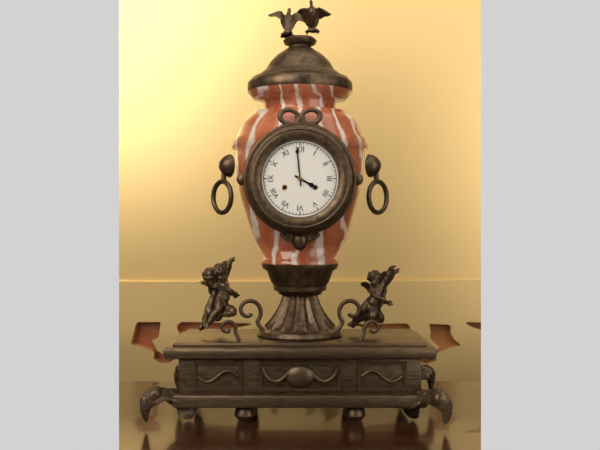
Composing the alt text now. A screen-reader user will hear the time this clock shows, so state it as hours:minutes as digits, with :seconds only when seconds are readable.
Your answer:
3:59
